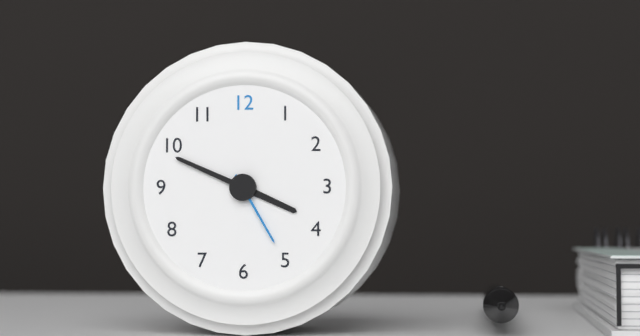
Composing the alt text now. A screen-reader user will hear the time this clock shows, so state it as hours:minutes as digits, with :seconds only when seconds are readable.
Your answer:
3:49:25
